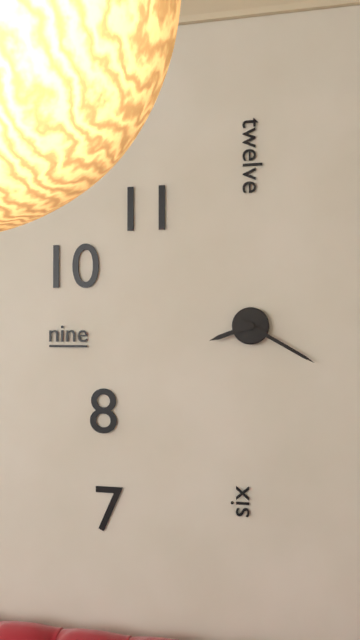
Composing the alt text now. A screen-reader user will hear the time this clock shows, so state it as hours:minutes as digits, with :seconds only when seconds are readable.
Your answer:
8:20
